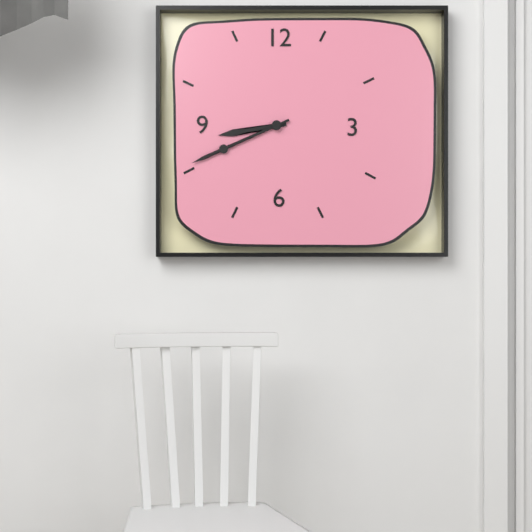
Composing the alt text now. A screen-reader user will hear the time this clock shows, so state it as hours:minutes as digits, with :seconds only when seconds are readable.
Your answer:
8:41
